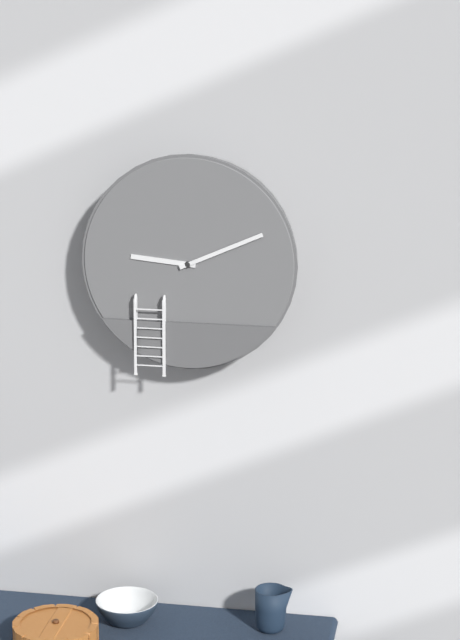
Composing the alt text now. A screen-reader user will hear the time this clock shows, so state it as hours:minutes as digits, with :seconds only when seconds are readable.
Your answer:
9:11
